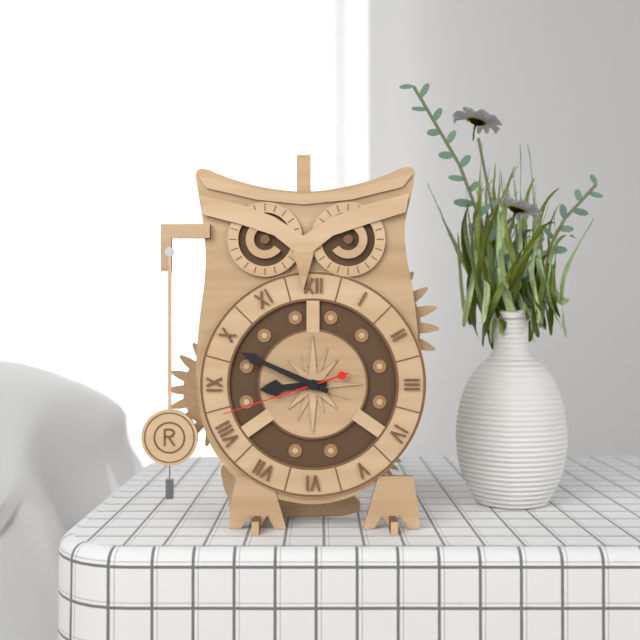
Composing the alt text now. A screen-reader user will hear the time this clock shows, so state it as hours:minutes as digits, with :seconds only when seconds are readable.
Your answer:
8:49:42
